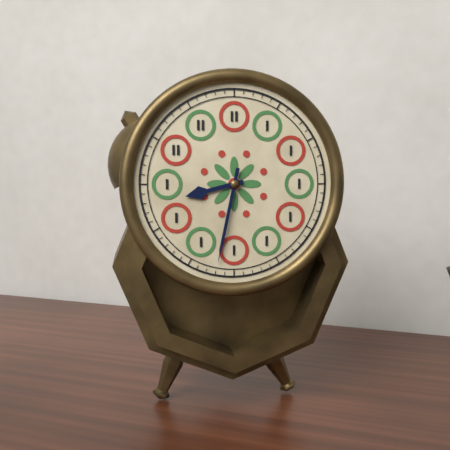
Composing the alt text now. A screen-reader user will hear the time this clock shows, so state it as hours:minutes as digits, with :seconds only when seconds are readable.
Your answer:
8:32
